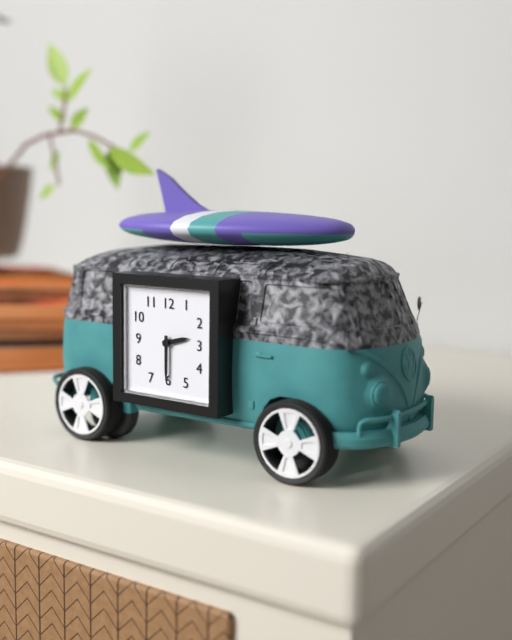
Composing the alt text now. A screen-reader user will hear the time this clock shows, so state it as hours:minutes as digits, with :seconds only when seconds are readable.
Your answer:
2:30
